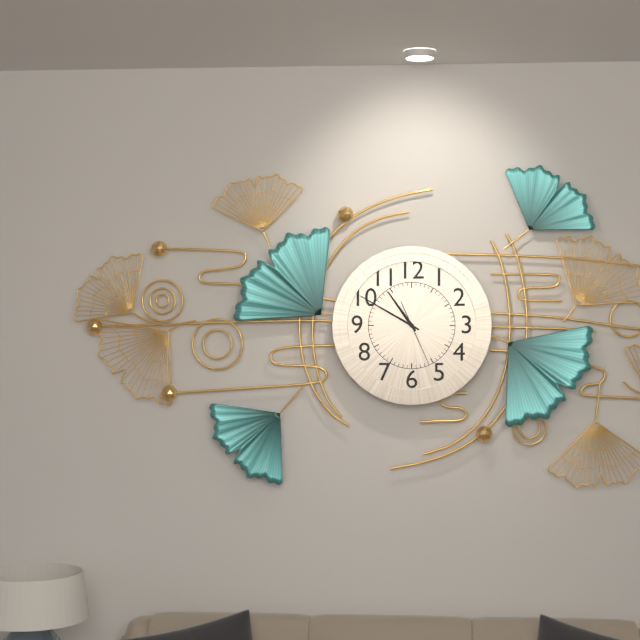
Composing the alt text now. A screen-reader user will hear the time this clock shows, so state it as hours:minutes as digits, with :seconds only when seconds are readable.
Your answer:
10:50:26
